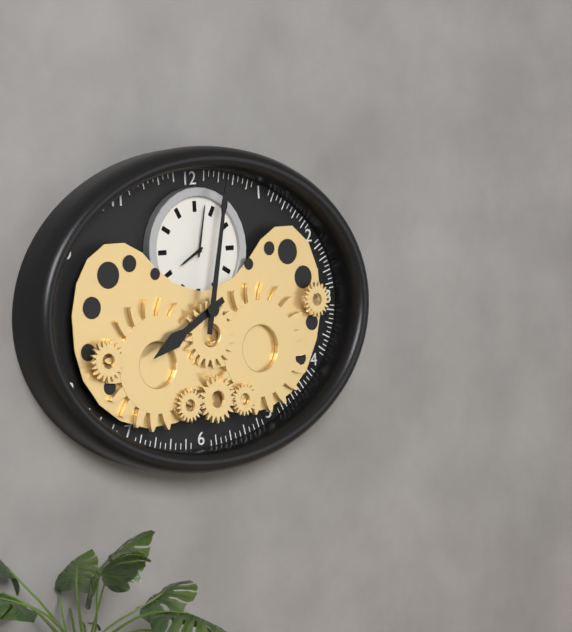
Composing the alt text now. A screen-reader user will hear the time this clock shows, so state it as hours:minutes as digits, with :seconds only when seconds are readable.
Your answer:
8:02
